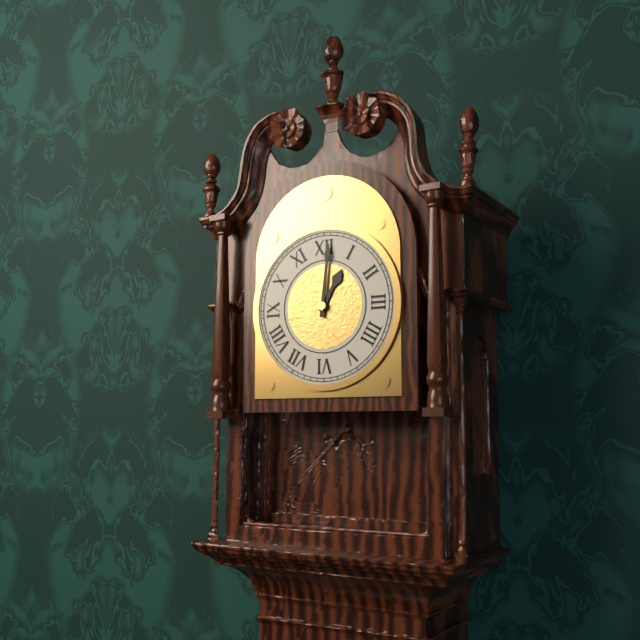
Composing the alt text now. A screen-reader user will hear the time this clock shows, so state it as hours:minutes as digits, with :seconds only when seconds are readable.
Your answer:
1:01
